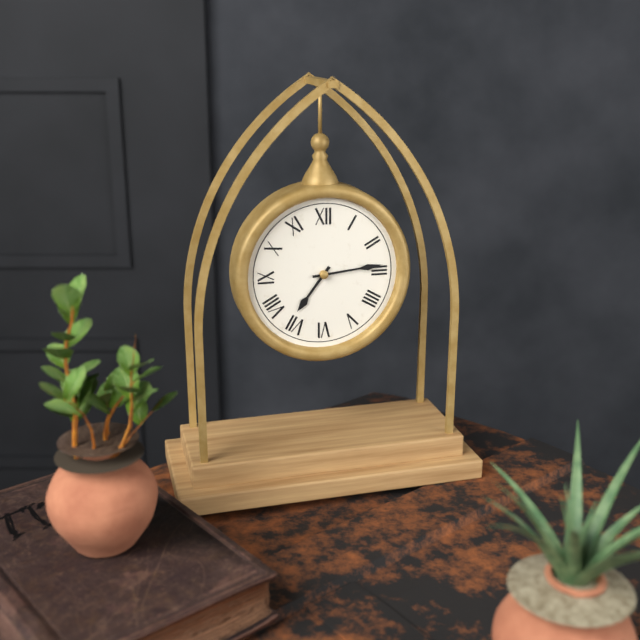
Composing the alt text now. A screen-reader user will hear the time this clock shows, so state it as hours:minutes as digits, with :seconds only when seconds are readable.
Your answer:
7:14
